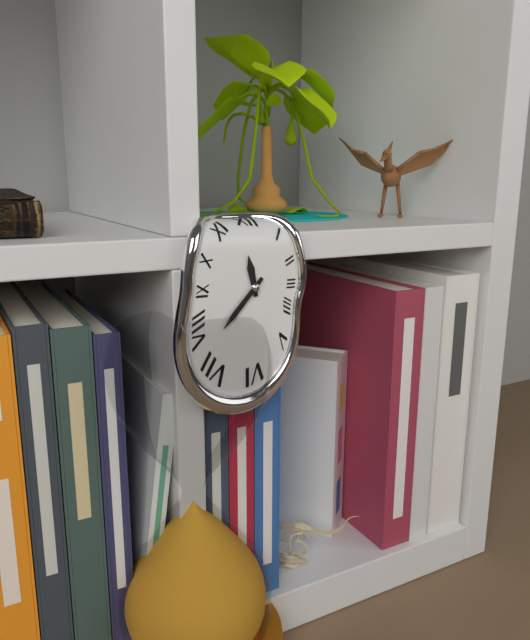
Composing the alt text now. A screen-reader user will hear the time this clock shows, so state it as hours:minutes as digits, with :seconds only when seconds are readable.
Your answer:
11:37
